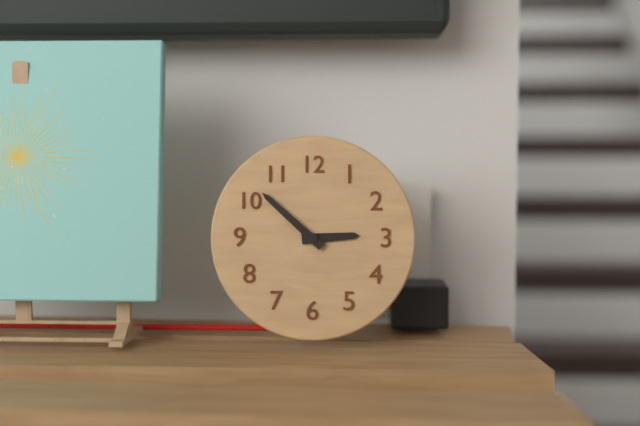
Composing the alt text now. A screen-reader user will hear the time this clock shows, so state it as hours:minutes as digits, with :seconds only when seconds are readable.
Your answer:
2:52
